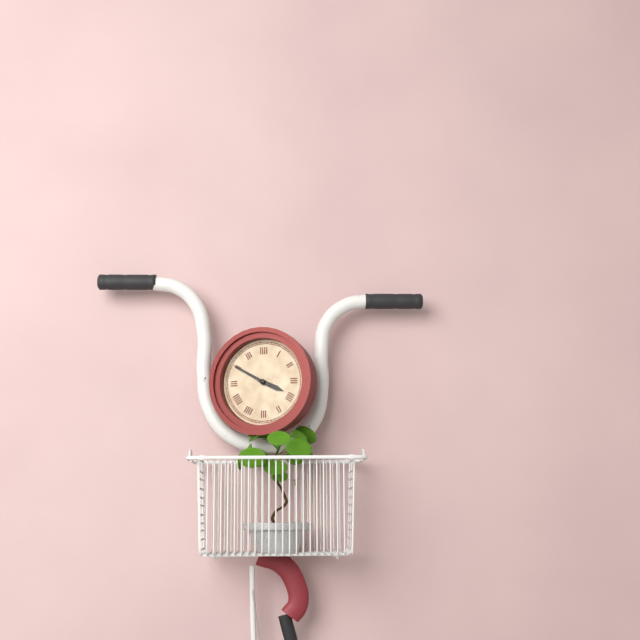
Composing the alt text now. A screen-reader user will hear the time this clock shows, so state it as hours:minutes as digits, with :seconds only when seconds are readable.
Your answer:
3:50
